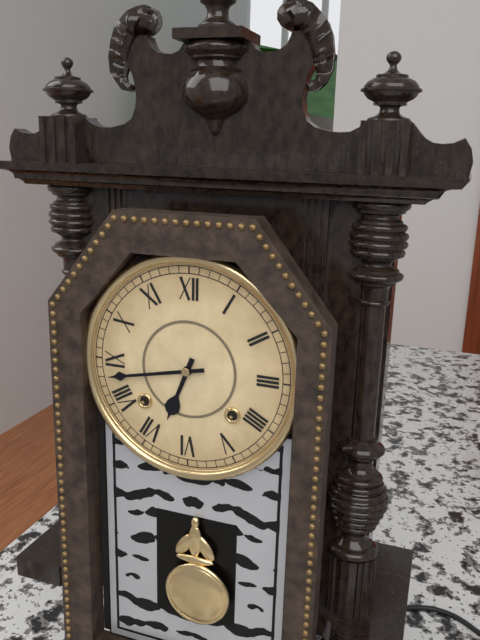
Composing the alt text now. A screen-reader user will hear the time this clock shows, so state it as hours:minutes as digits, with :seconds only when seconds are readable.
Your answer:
6:43
